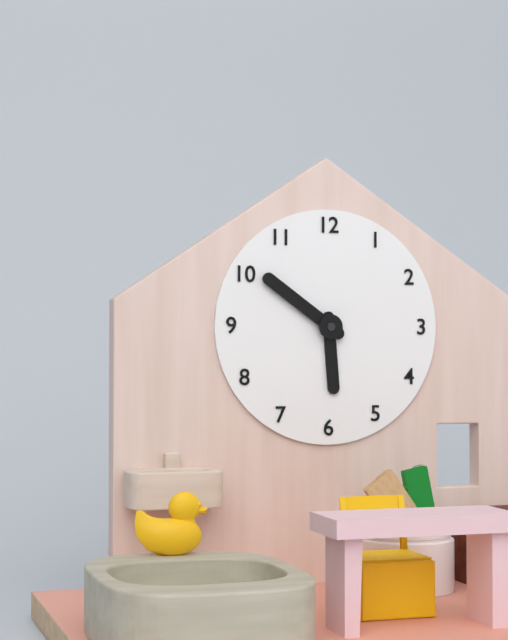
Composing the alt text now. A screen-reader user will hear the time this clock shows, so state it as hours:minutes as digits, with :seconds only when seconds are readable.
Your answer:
5:51
